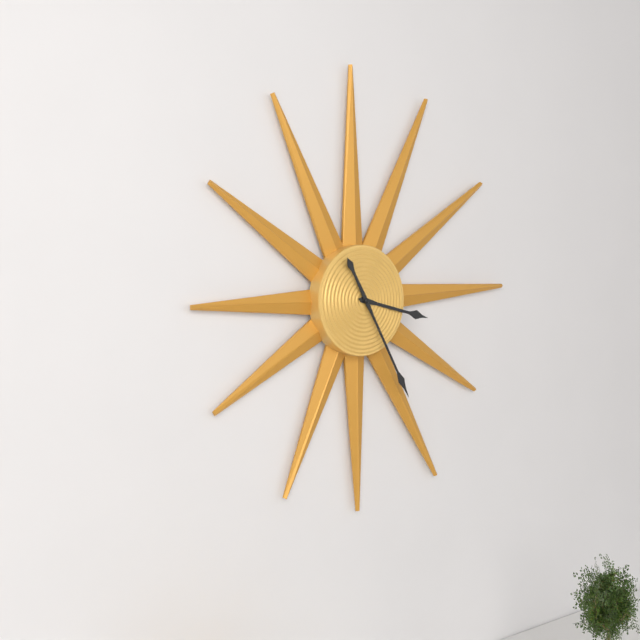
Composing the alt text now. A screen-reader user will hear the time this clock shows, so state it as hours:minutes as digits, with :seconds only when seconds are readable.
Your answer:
3:25
